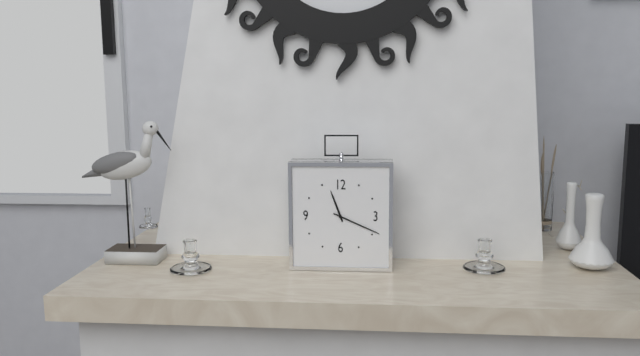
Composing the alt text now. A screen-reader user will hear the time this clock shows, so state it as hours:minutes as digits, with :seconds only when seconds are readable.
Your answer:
11:19
